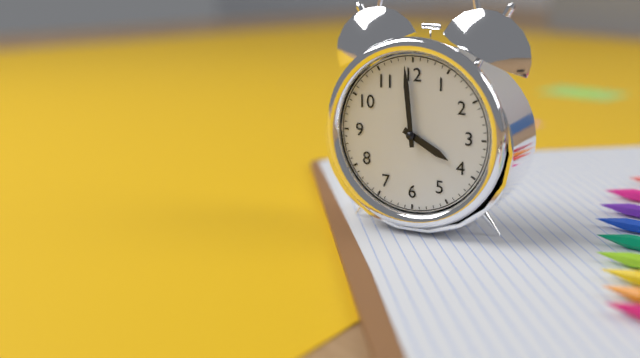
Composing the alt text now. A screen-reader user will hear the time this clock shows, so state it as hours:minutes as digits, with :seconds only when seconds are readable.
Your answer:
3:59
